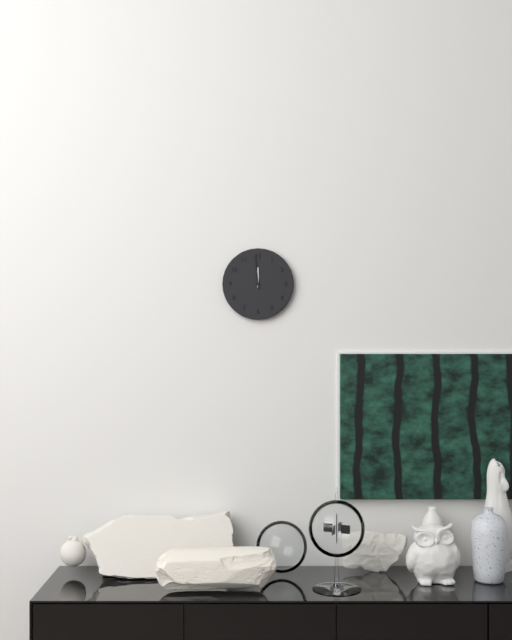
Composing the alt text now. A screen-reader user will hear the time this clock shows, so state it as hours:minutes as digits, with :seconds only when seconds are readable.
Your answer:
11:59
